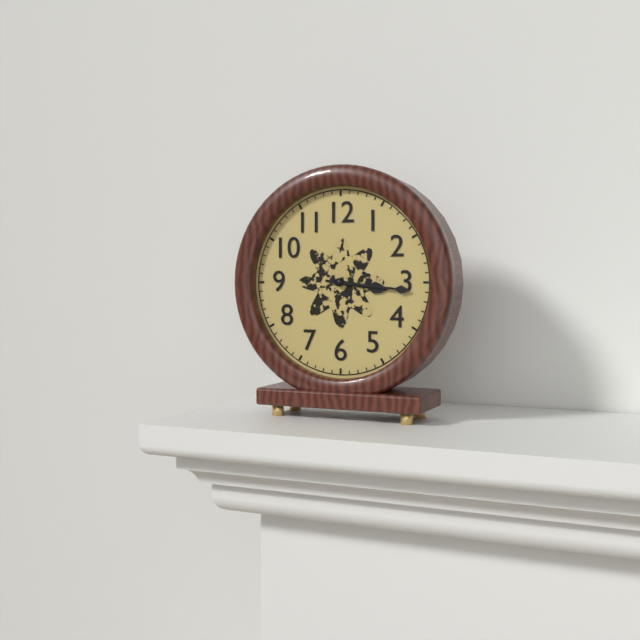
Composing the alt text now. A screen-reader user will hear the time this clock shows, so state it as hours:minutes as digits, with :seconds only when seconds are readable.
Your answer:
3:16
